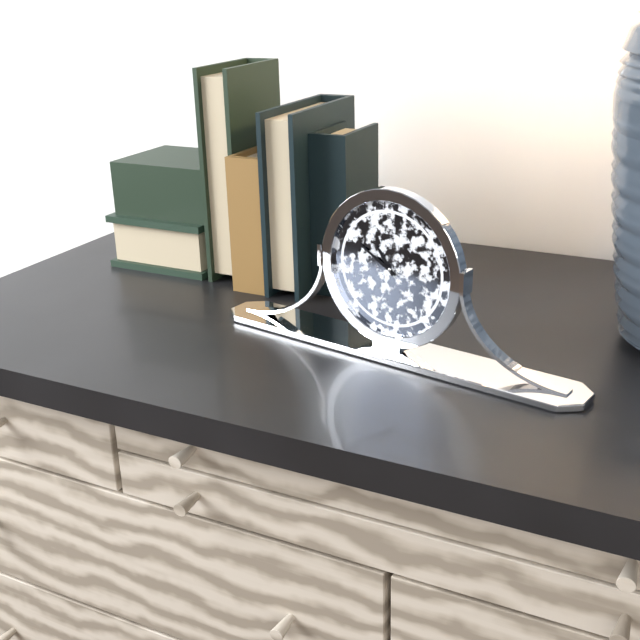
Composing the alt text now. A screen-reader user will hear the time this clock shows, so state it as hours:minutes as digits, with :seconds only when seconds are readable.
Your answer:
10:50
